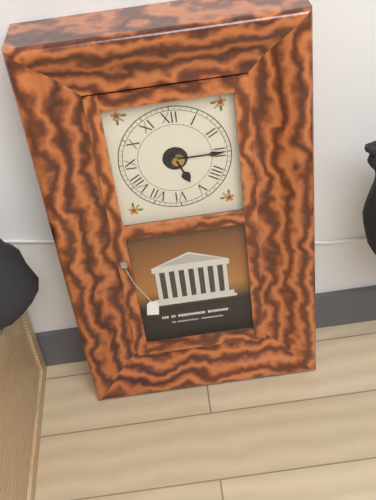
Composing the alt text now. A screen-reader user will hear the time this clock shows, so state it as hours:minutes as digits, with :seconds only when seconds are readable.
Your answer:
5:15
